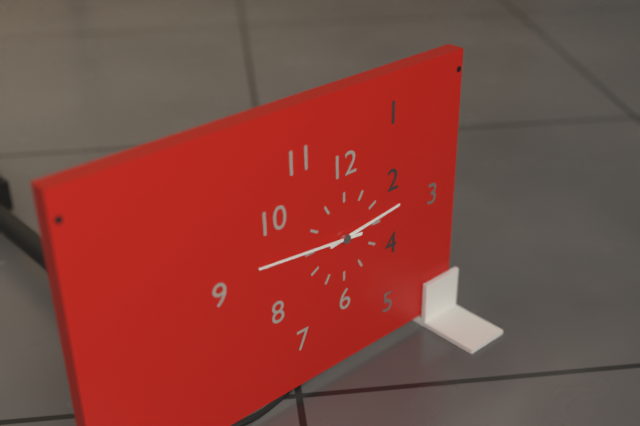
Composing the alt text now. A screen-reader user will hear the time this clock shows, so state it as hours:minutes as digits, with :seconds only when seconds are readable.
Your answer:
2:46
